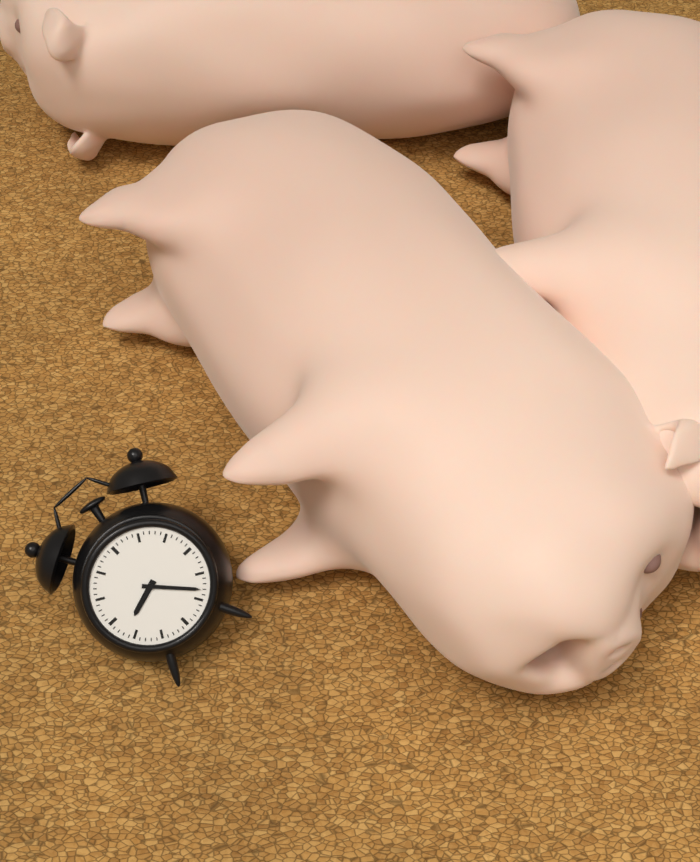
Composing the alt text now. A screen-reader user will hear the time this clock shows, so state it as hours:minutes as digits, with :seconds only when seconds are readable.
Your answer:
8:23
